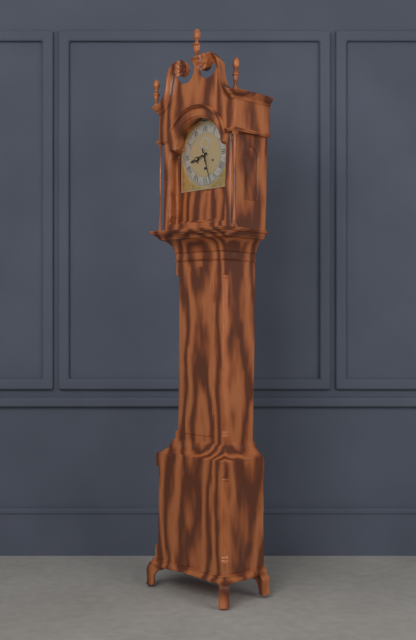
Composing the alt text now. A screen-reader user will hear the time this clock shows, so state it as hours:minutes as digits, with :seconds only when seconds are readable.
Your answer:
8:27
